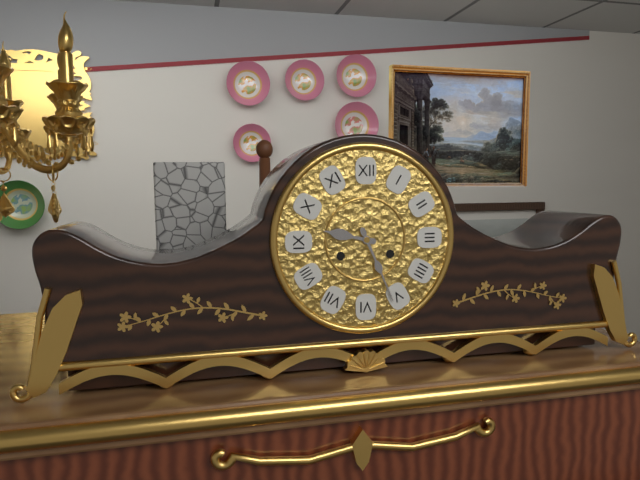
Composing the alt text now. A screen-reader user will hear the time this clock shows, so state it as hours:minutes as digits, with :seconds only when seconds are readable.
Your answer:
9:26
